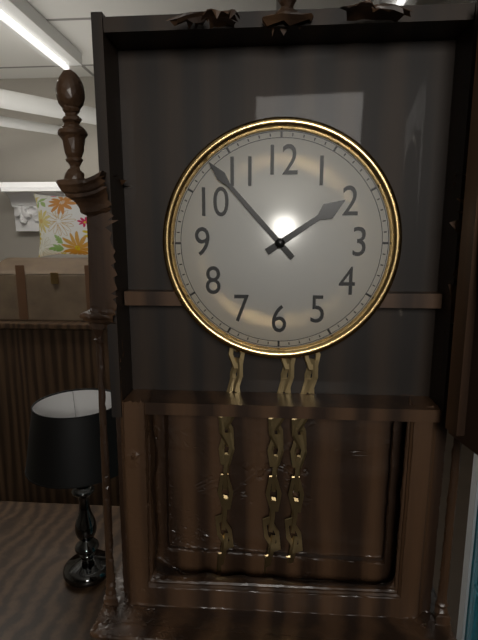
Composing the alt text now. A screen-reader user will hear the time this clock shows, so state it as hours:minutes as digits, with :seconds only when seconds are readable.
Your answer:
1:53
